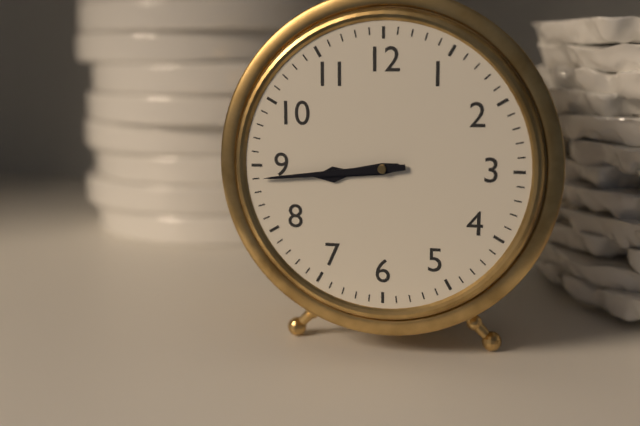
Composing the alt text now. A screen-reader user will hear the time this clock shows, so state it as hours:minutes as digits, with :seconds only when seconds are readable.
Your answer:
8:44
